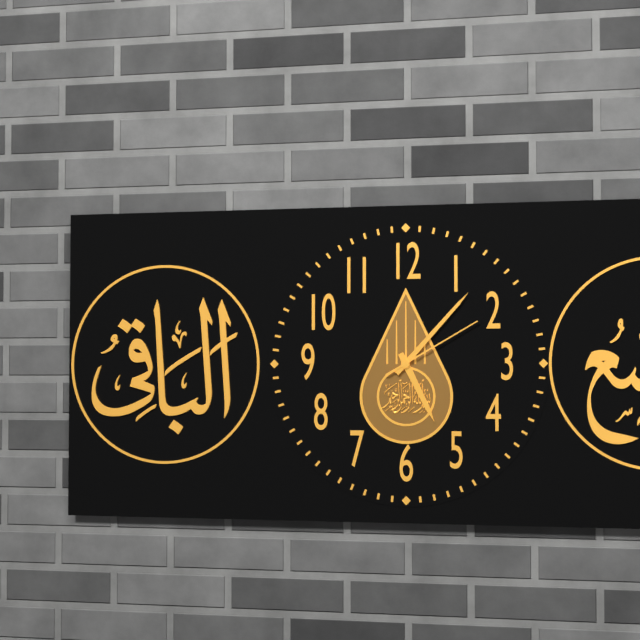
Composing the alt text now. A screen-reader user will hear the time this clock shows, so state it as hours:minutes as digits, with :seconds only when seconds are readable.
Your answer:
5:07:10
